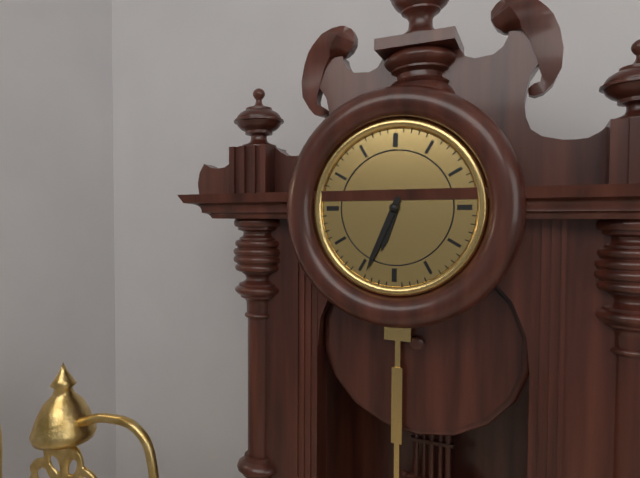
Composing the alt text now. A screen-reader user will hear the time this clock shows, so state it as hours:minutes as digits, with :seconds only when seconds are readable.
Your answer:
6:34
